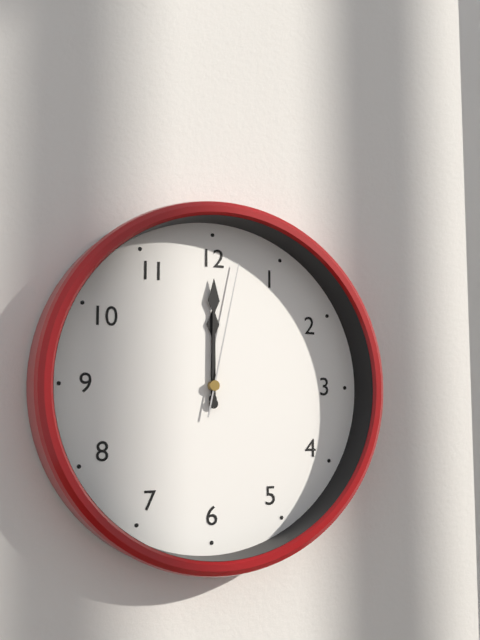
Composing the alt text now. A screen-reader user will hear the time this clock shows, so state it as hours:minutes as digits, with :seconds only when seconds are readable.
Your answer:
12:00:02
